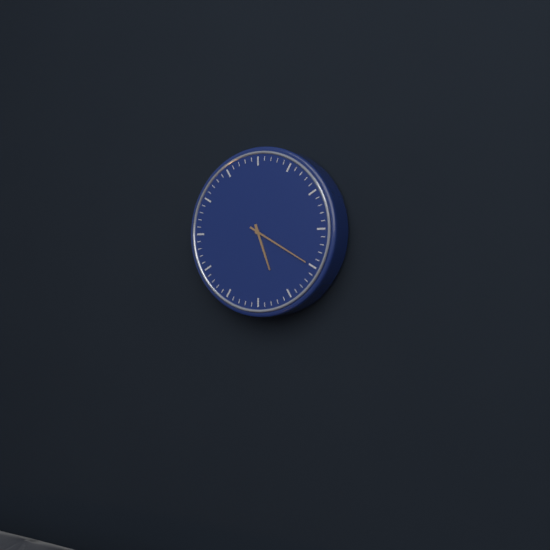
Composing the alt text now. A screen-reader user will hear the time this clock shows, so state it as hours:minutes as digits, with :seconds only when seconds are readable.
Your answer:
5:20
